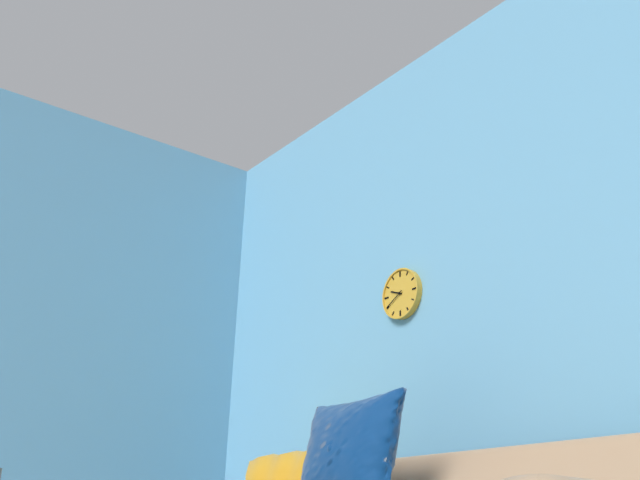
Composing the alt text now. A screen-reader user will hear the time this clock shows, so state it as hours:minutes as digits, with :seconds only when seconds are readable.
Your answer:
9:40
